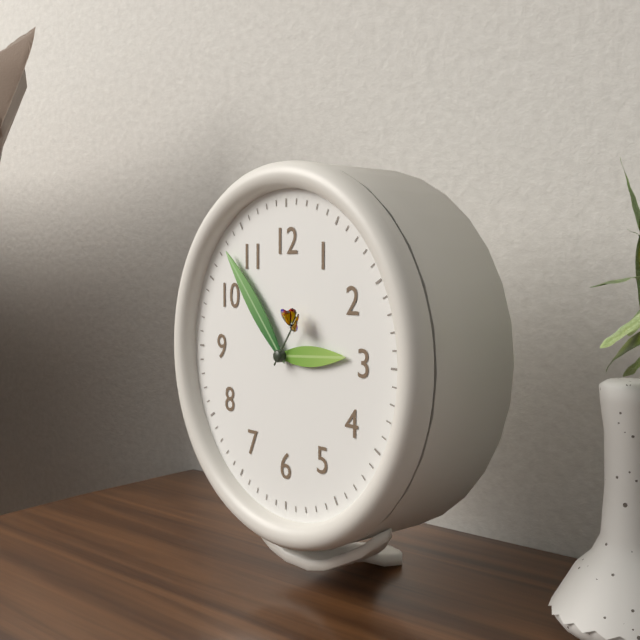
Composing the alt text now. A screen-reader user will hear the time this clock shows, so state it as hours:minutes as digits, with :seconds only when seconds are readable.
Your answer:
2:53:06
